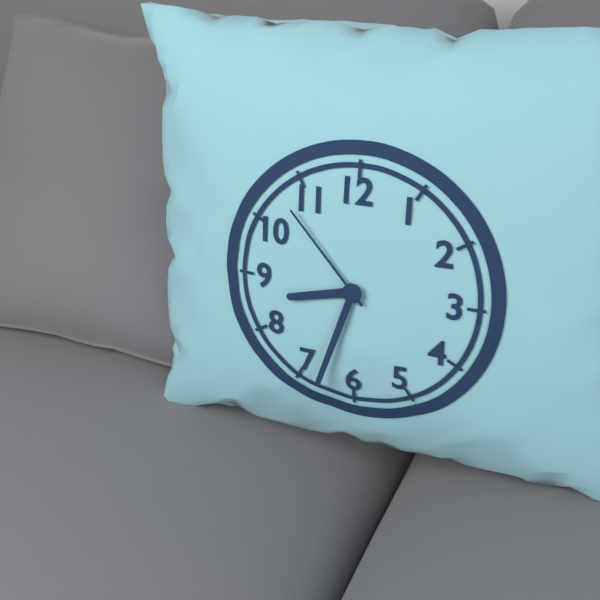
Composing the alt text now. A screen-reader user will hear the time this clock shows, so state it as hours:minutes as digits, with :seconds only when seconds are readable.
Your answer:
8:33:53
